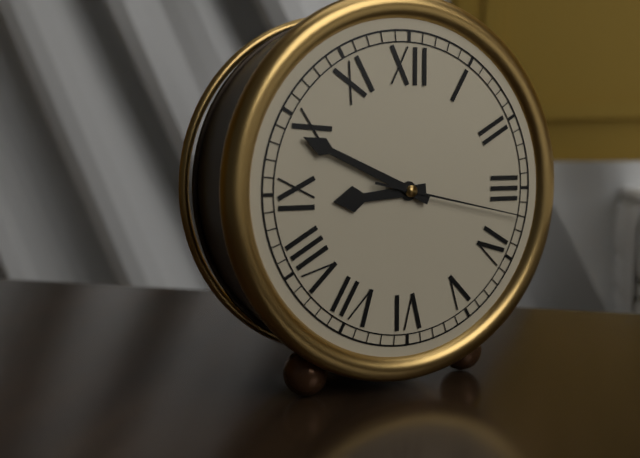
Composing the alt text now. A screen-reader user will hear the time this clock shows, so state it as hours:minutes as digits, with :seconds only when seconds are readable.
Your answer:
8:49:17
